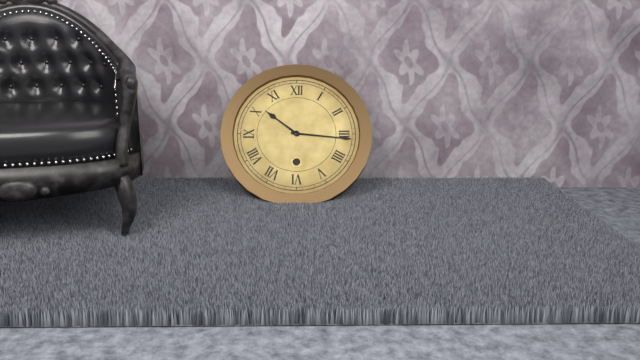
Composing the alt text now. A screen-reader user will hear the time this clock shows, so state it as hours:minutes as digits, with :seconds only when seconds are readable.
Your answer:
10:16
